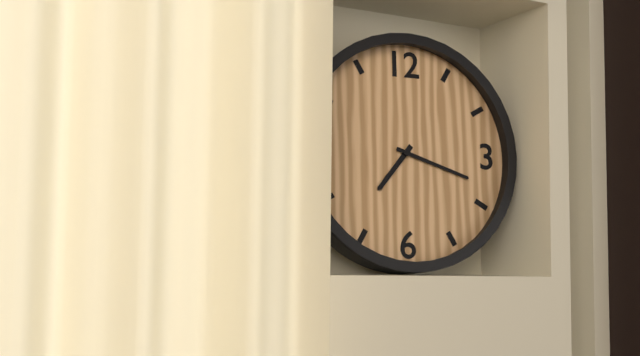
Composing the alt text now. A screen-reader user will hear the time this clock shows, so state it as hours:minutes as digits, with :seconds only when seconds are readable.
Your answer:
7:18
